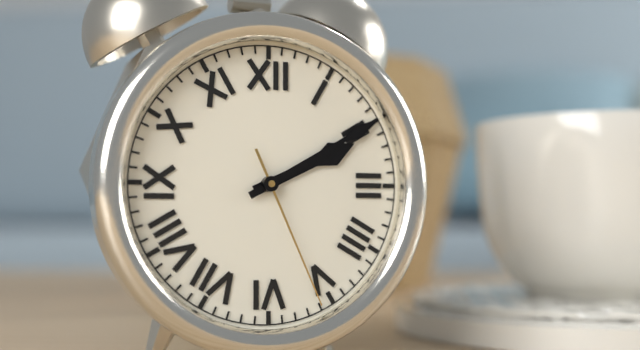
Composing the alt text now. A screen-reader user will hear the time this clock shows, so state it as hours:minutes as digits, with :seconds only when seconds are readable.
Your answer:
2:10:26
